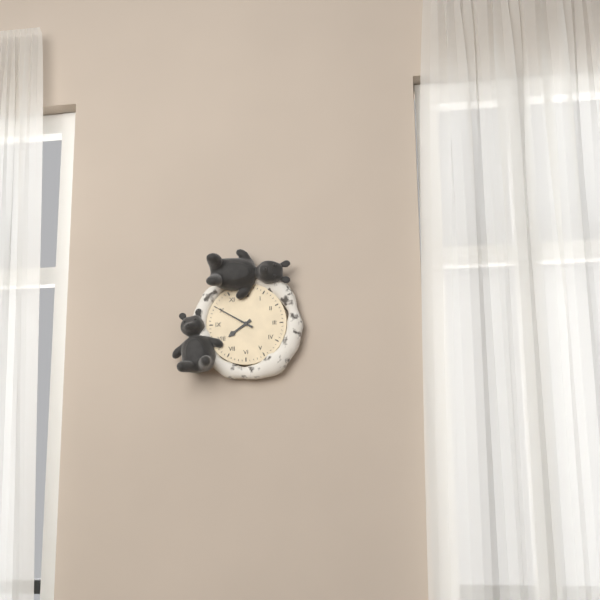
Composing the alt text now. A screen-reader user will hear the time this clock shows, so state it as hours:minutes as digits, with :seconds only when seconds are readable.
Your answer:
7:50
